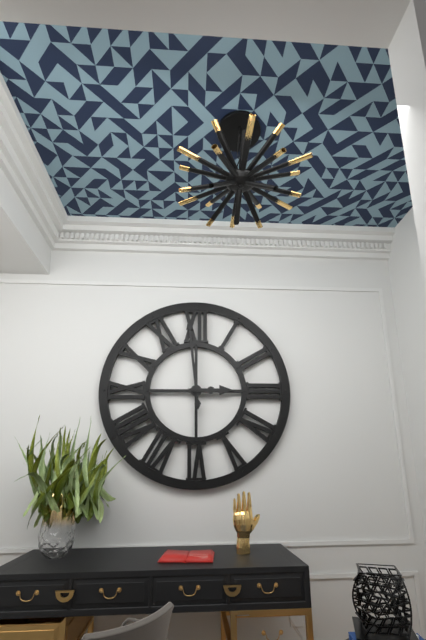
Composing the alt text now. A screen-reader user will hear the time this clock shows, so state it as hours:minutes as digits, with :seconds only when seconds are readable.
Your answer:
2:59
